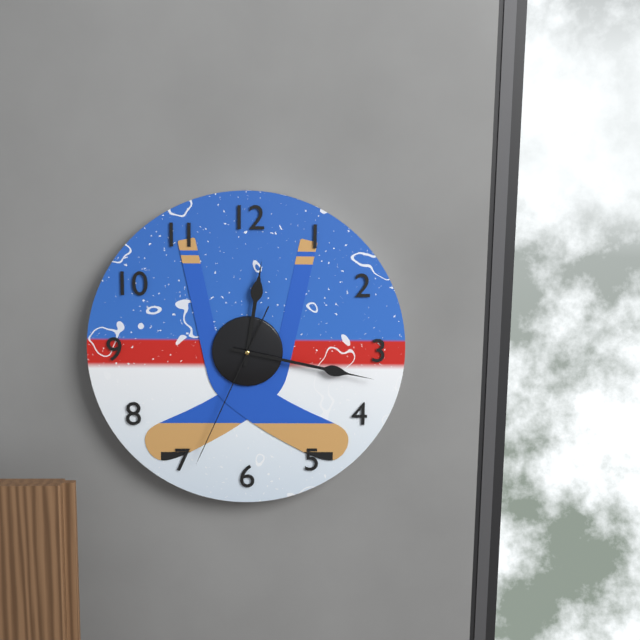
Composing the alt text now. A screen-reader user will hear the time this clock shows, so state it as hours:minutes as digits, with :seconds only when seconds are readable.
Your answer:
12:17:34
